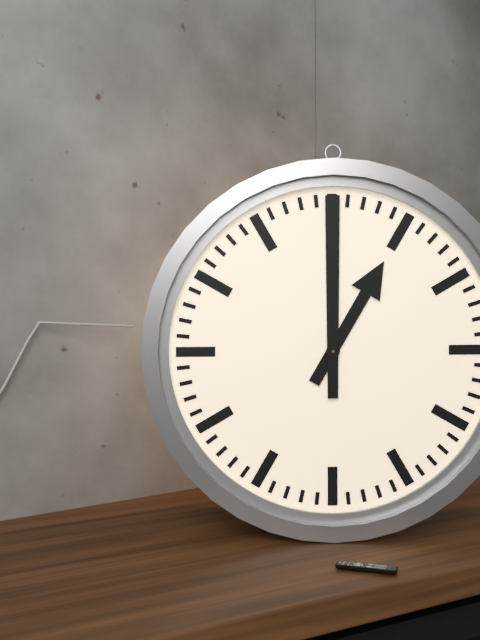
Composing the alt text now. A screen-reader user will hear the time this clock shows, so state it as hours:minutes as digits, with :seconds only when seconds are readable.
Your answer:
1:00
